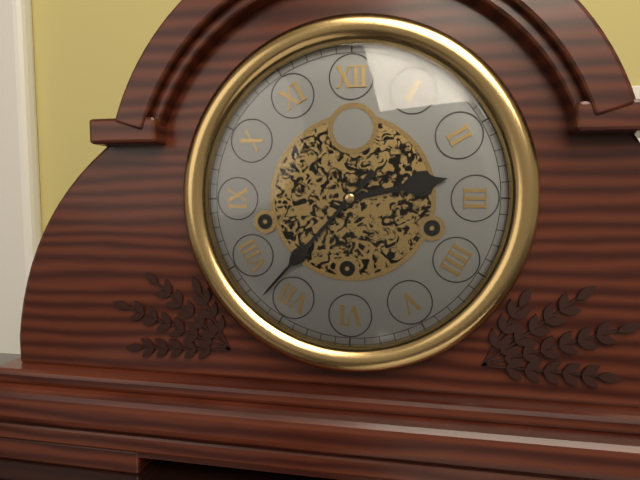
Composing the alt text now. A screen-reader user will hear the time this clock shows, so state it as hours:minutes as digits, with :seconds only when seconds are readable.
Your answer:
2:37
